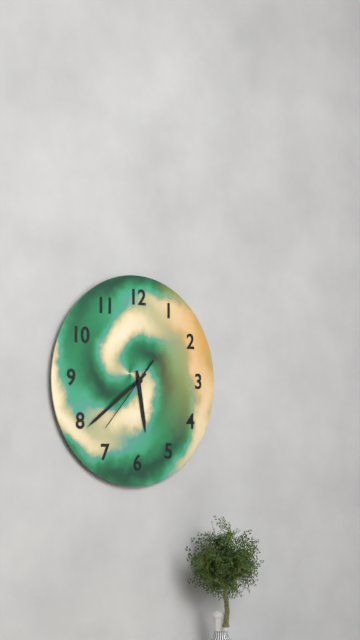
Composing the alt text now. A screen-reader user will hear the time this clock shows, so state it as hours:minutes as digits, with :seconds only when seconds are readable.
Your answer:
5:39:37
